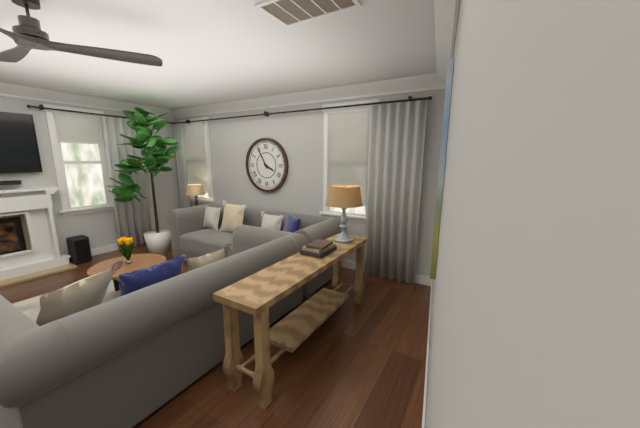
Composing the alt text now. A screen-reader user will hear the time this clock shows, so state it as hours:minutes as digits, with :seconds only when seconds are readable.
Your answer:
3:55
